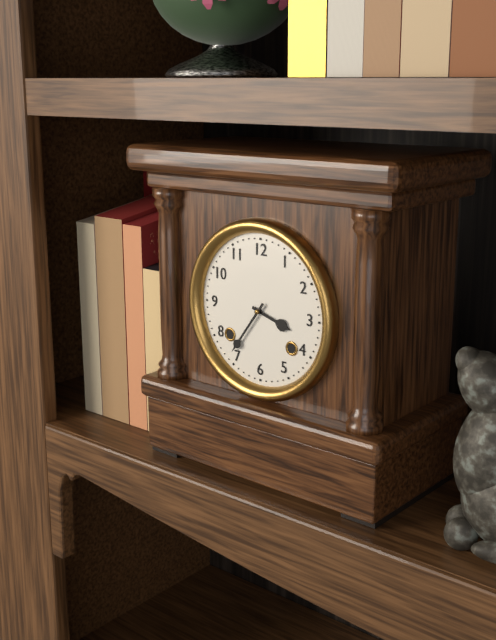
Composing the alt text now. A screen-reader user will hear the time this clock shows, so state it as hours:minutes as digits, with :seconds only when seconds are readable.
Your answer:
3:36
